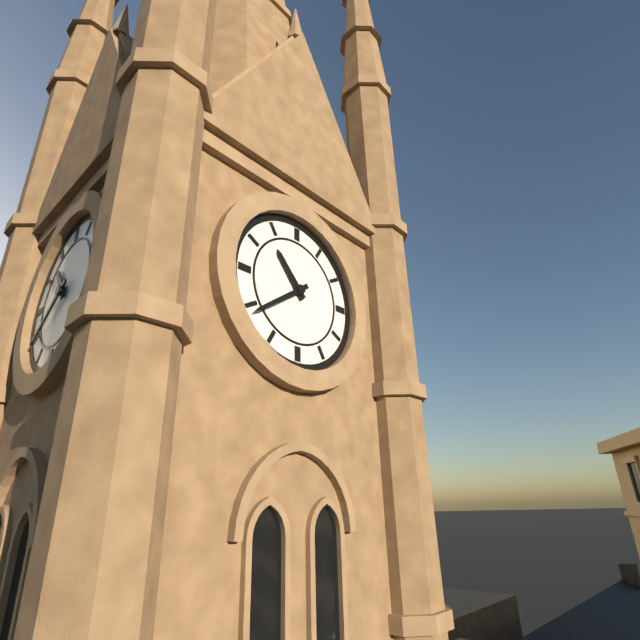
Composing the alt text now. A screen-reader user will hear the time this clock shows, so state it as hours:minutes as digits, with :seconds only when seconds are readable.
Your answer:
10:39
